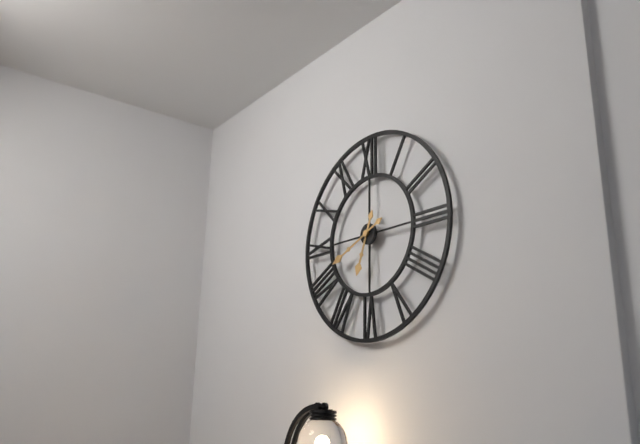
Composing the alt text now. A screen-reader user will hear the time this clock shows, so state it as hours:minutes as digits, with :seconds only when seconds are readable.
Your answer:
6:41
